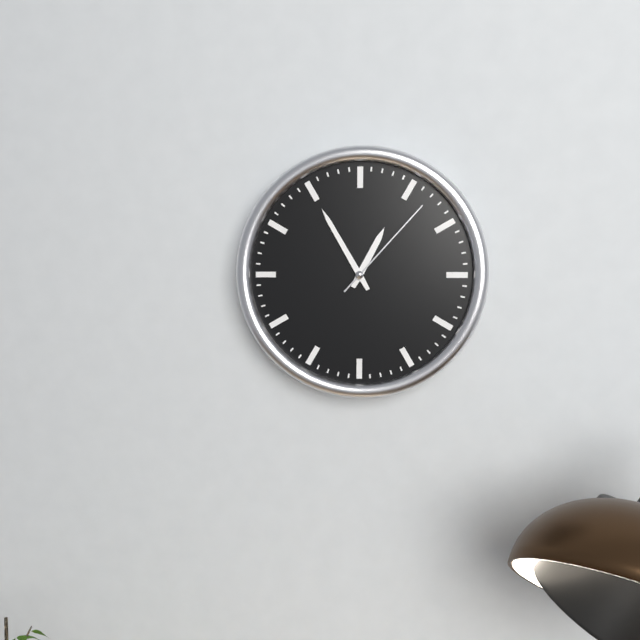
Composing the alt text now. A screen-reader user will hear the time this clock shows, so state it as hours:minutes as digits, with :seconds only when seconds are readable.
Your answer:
12:55:07
